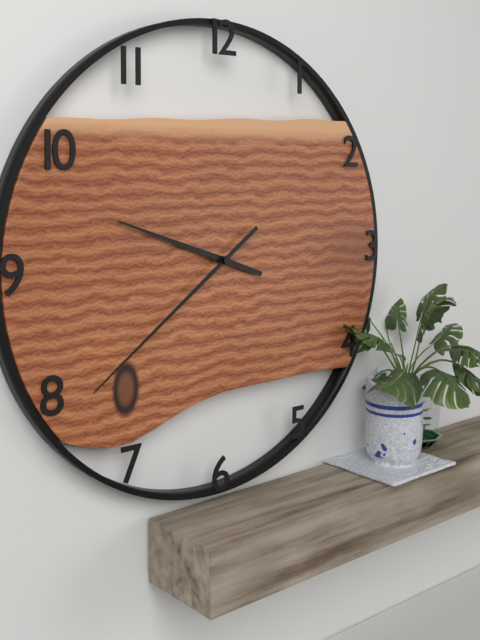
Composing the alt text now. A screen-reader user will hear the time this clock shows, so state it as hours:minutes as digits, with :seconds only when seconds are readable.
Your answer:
9:39
